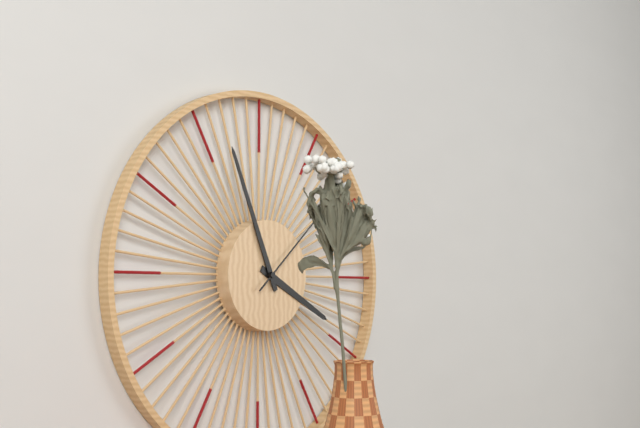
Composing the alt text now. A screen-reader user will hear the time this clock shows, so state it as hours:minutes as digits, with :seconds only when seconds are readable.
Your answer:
3:56:08
